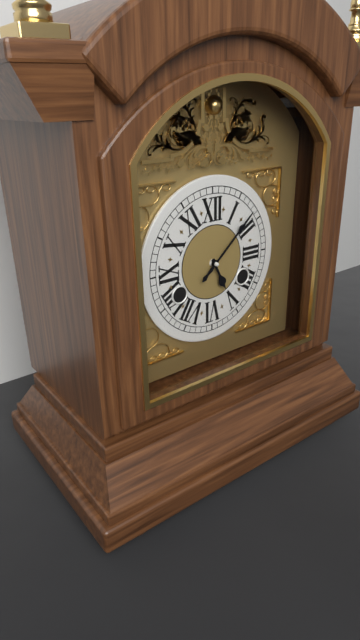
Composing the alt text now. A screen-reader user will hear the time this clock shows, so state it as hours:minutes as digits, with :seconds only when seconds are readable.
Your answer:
5:08
